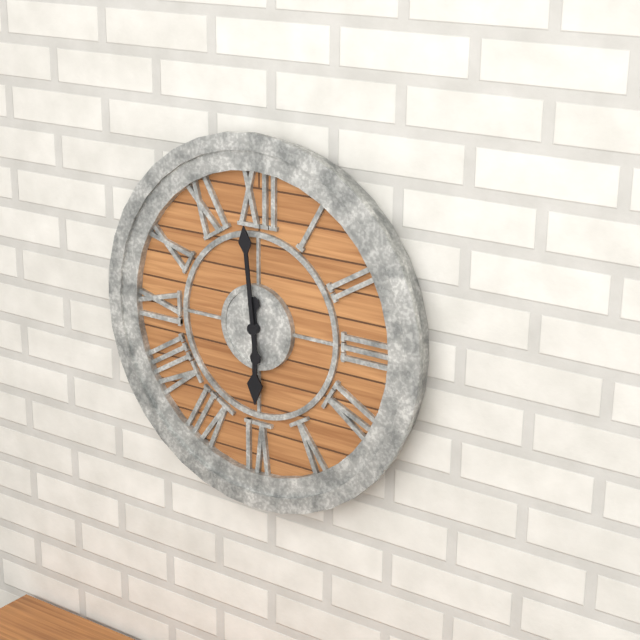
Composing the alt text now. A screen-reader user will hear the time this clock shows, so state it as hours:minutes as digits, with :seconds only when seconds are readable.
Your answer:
5:59
